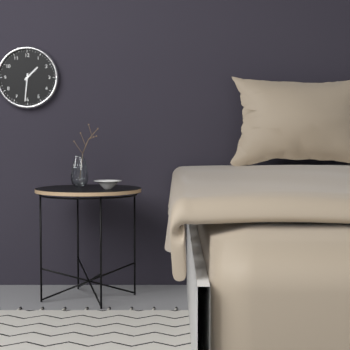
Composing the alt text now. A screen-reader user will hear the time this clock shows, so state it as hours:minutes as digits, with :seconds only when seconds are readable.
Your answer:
1:31
